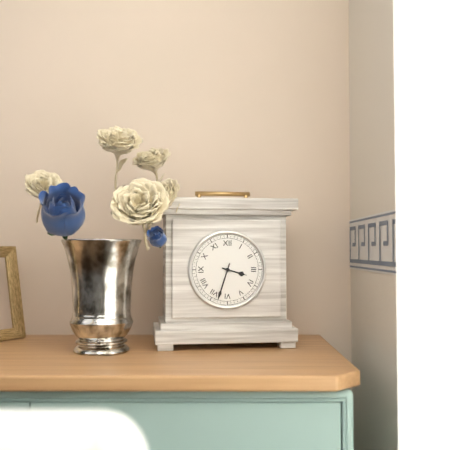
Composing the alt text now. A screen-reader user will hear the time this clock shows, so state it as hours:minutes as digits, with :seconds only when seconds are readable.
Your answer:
3:33
